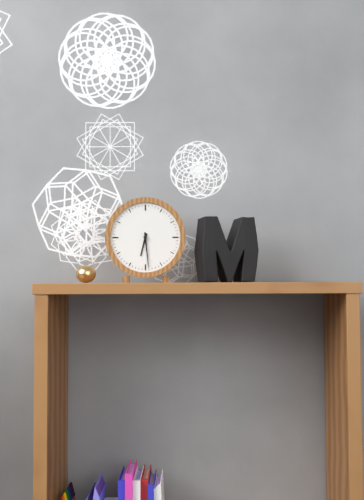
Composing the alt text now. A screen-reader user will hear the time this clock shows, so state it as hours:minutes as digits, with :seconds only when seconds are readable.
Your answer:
6:29
